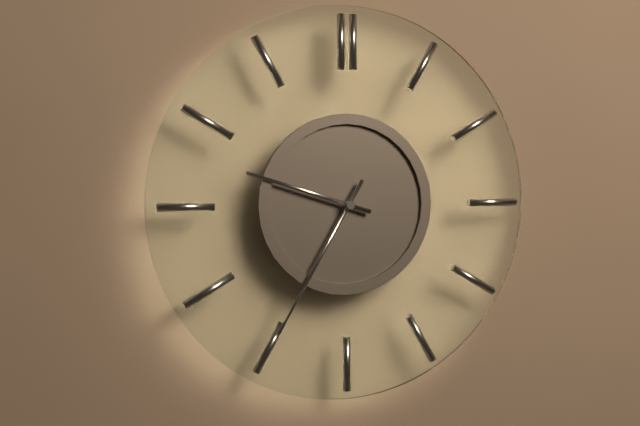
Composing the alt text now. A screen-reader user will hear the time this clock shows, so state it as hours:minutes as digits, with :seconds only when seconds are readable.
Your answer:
9:35
